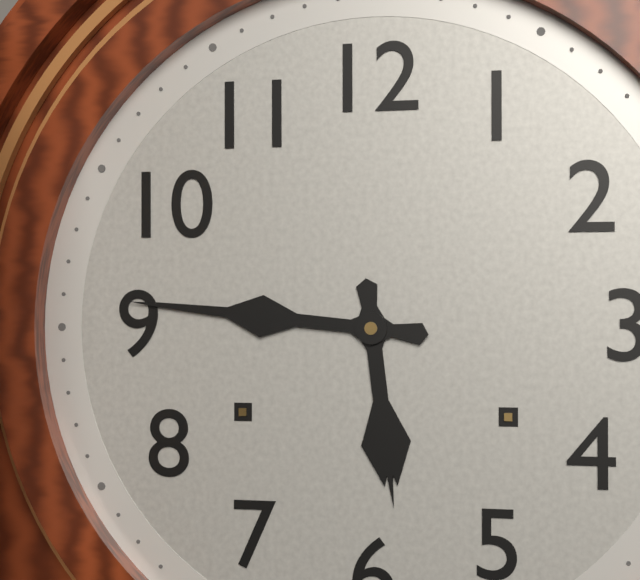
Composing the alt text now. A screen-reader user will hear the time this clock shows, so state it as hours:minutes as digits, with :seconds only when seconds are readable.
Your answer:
5:46
